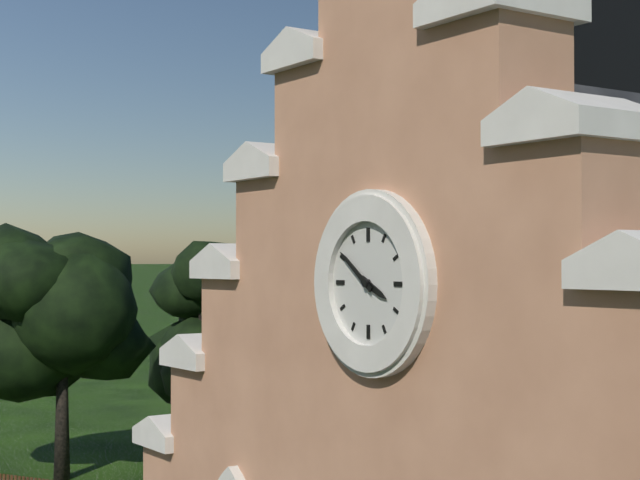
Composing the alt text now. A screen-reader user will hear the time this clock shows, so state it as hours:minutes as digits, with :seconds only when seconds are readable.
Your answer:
3:51
